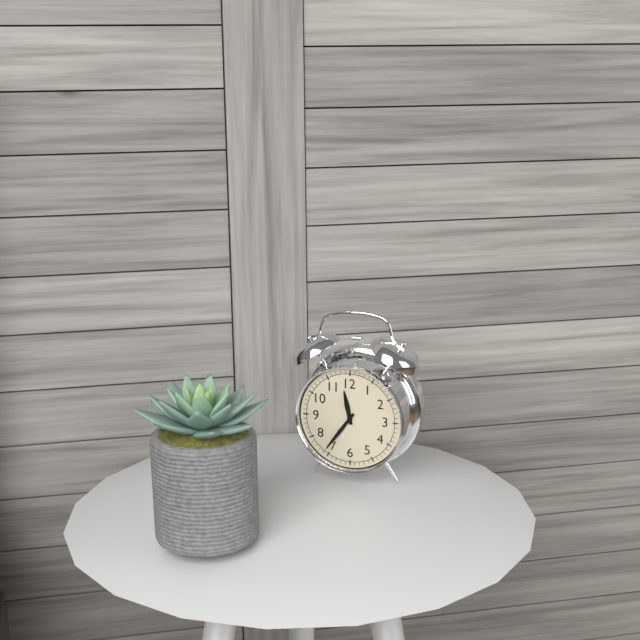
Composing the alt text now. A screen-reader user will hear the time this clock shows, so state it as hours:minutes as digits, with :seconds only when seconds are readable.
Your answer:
11:36
